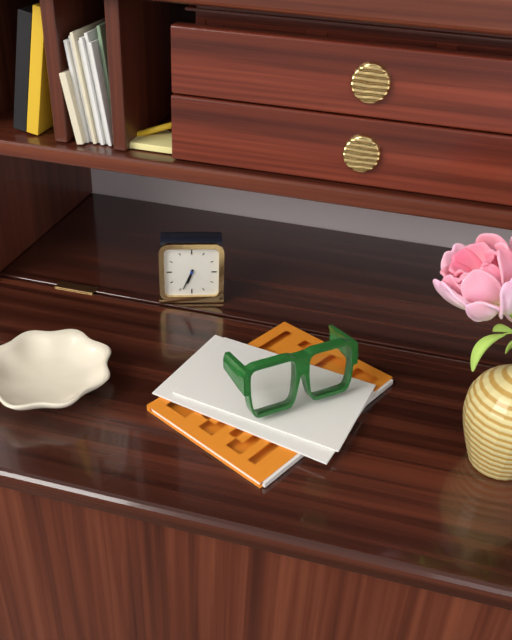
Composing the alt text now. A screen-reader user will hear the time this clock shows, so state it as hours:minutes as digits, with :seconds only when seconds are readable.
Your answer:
6:34
